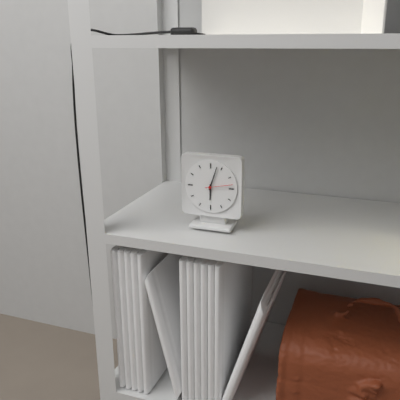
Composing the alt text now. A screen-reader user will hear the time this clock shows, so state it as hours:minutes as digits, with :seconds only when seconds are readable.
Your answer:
6:03
